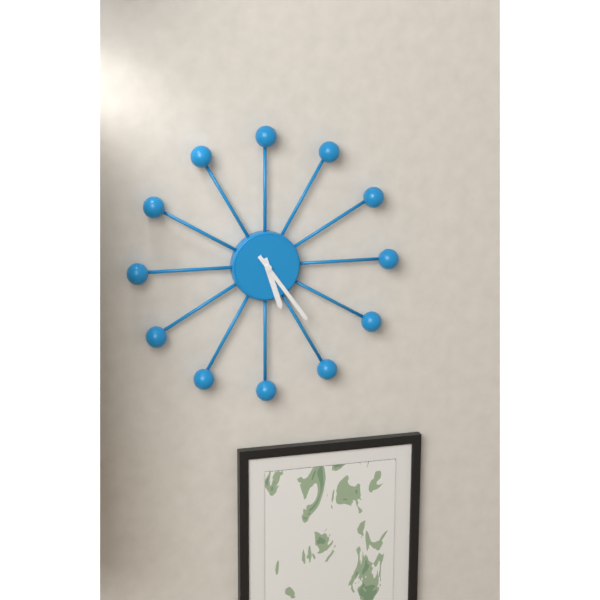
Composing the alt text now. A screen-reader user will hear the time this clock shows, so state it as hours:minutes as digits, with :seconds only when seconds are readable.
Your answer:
5:24
